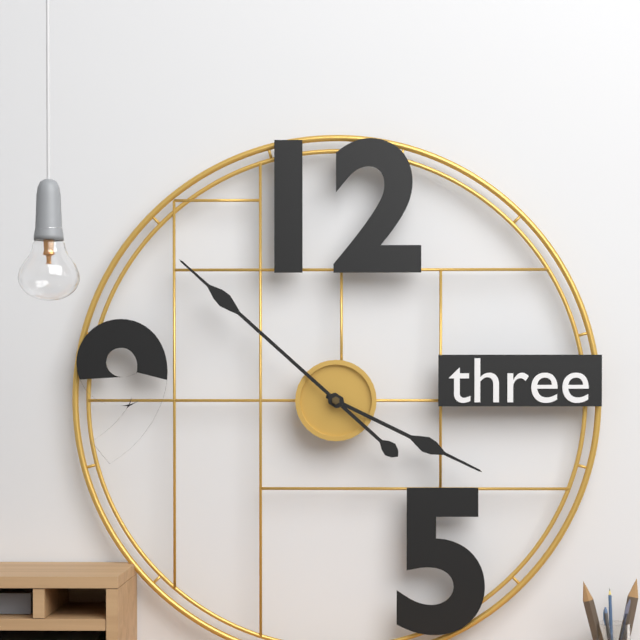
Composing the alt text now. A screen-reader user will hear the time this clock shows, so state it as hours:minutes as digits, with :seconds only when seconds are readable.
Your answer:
3:52
